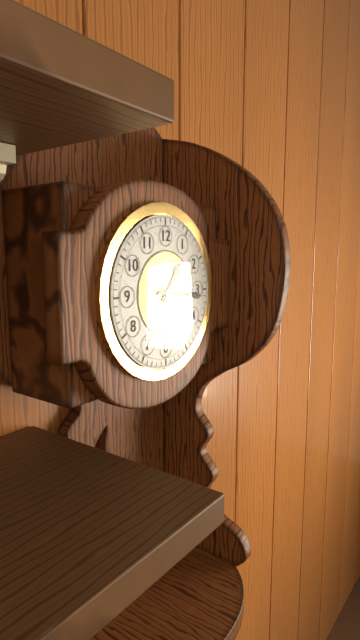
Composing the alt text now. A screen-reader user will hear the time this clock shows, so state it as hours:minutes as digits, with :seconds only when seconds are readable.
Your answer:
1:16
